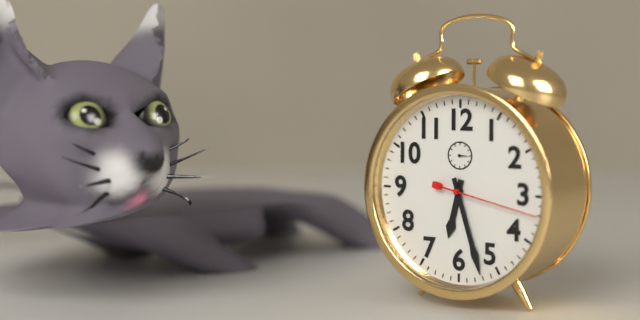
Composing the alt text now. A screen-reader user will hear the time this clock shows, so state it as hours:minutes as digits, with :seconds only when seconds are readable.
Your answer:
6:27:17
